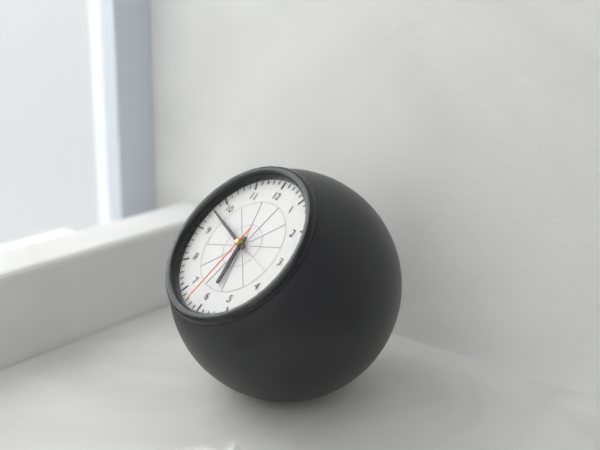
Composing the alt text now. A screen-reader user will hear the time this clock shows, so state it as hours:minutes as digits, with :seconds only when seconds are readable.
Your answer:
5:48:32
